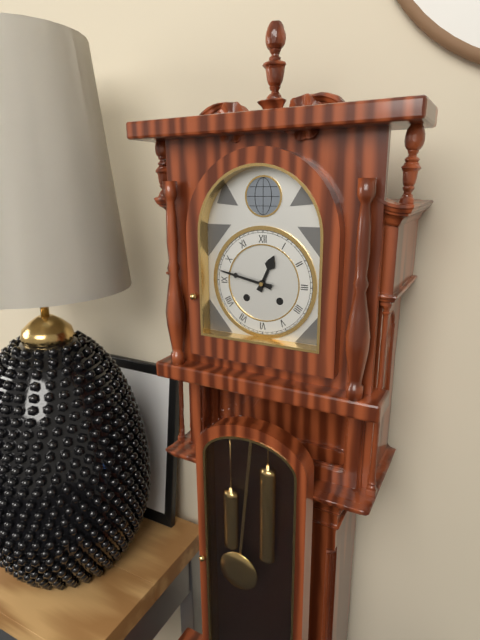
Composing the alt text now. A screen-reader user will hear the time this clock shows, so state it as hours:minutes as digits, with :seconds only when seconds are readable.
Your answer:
12:47
